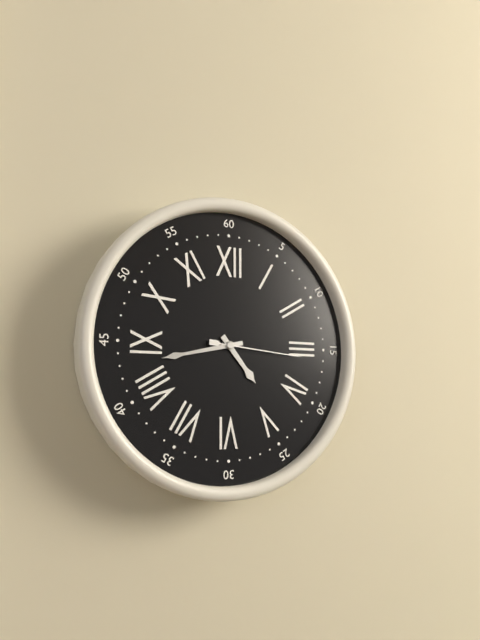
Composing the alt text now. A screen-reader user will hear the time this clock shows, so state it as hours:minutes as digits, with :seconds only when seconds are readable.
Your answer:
4:43:16
